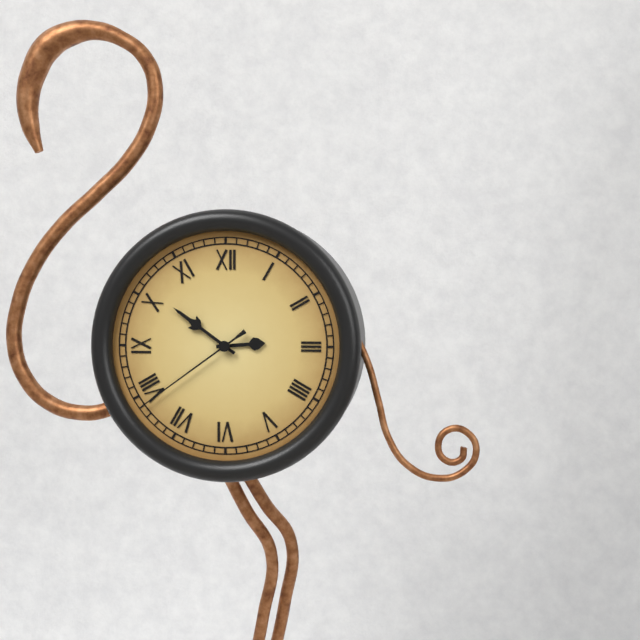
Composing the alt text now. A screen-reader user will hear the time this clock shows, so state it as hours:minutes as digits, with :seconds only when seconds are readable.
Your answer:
2:51:39
